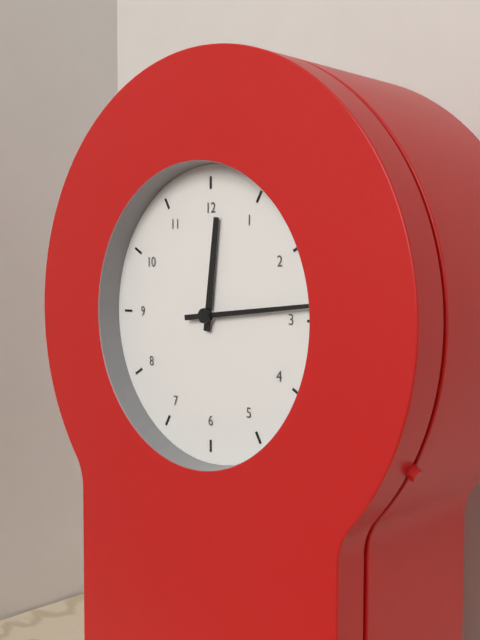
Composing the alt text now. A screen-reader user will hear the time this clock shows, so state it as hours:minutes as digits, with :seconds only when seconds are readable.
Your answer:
12:14
